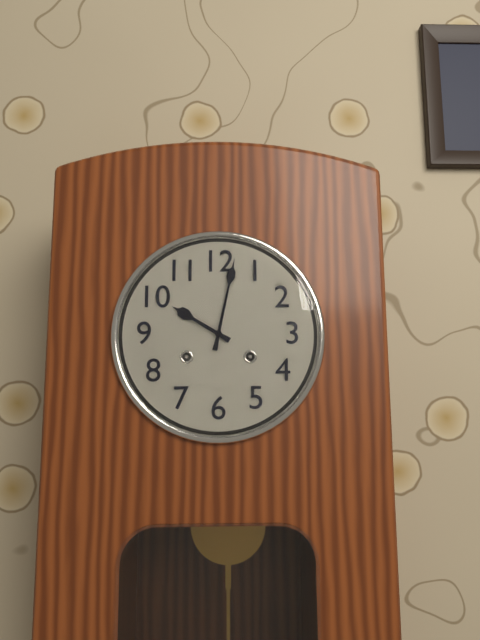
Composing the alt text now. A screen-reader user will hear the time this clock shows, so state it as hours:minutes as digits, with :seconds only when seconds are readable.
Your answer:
10:02
